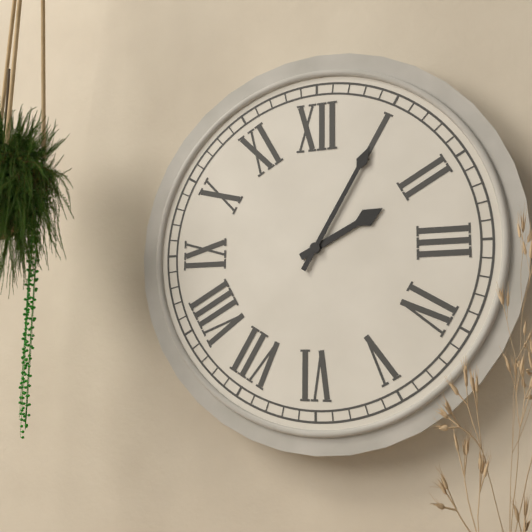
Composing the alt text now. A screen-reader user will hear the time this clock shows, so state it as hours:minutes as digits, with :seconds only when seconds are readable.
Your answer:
2:05
